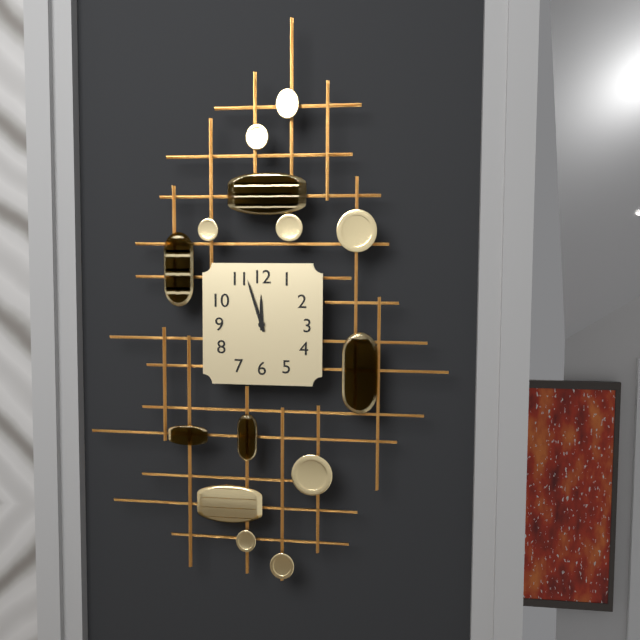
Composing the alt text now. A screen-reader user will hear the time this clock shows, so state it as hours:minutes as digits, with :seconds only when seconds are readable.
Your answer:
11:57
